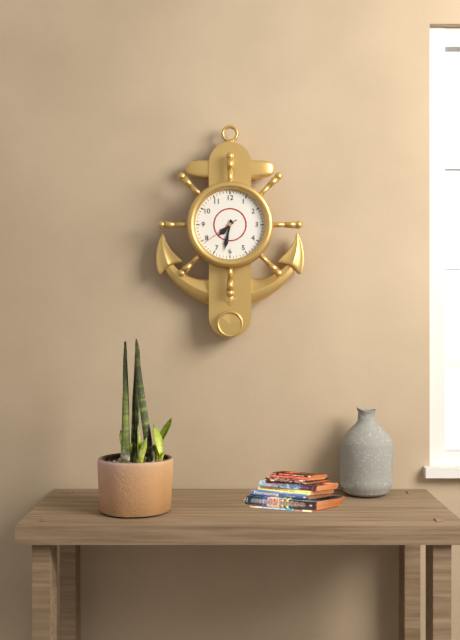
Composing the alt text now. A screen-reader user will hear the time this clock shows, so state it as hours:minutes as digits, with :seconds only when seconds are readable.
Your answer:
7:32
